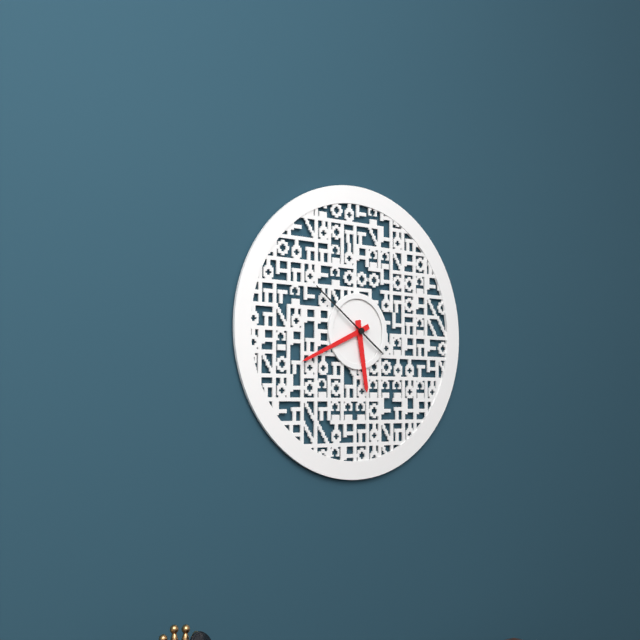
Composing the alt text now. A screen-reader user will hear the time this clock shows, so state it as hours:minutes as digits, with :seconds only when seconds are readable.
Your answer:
5:41:51
